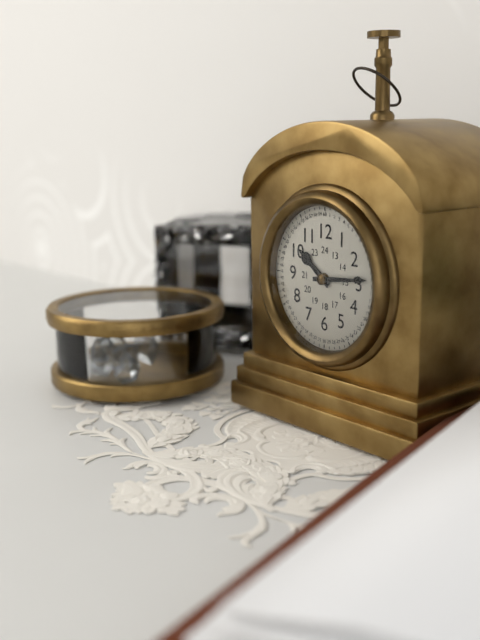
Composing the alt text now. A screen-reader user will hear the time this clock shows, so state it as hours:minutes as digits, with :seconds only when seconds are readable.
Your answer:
10:14
